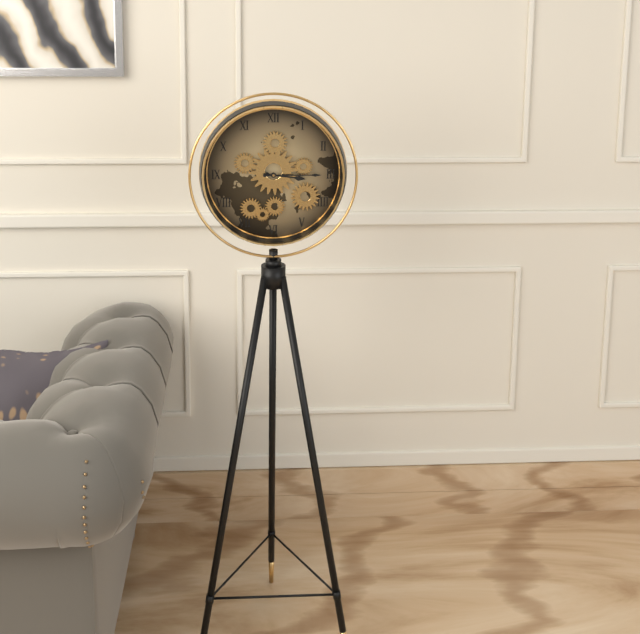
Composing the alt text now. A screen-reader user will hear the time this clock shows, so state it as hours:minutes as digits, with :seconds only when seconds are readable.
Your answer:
3:15
